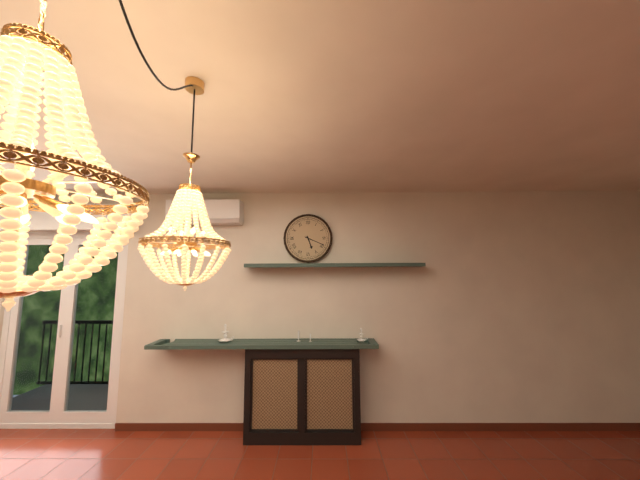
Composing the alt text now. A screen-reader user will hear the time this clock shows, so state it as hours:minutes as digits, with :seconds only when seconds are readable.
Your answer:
5:19
